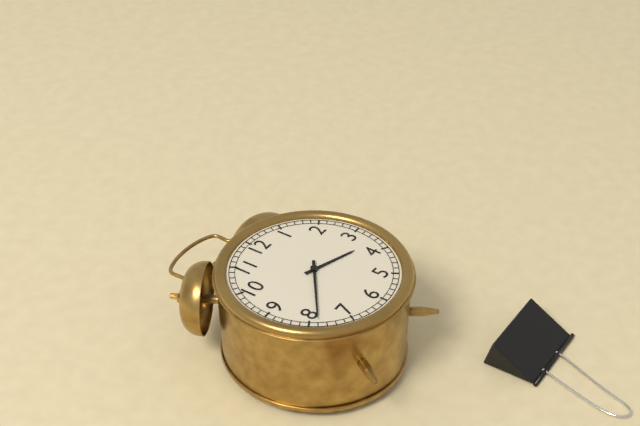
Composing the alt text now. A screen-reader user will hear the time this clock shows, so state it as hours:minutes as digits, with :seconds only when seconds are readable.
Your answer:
3:39
